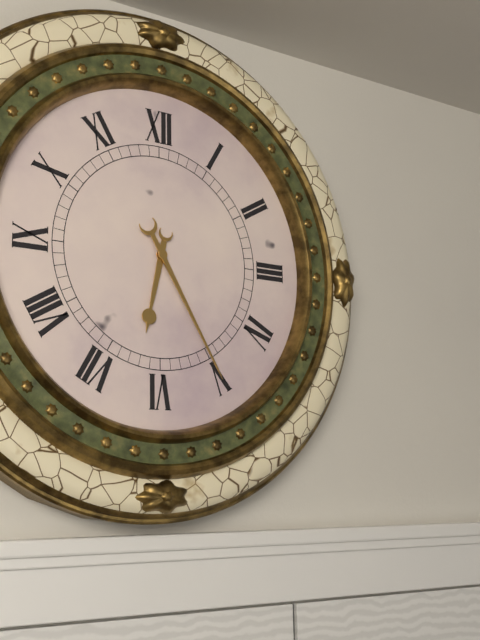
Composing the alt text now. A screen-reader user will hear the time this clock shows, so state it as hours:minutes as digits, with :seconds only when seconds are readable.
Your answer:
6:25
